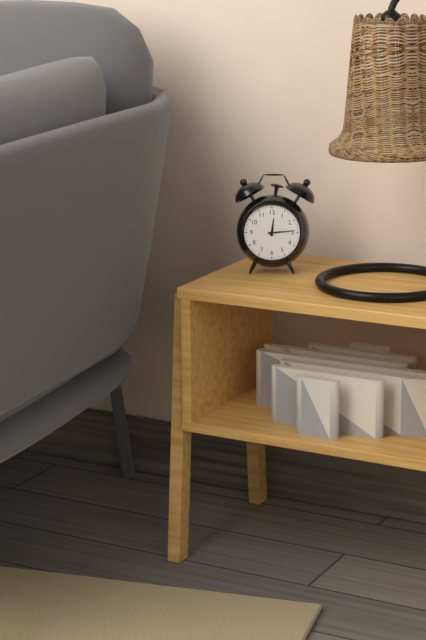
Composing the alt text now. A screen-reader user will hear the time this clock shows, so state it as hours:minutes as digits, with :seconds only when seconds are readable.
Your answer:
12:14
